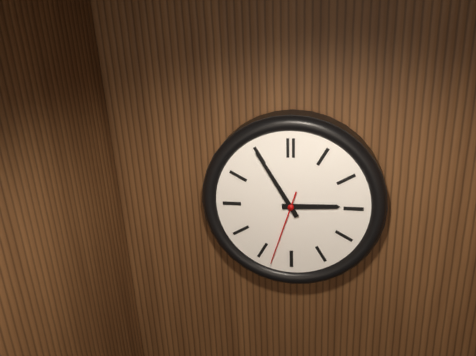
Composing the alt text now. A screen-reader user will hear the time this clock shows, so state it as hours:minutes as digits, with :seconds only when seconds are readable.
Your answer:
2:55:33
